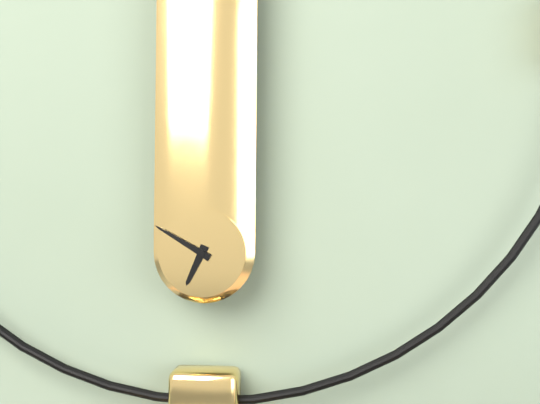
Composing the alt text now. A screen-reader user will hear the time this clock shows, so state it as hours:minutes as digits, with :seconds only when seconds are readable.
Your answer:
6:50
